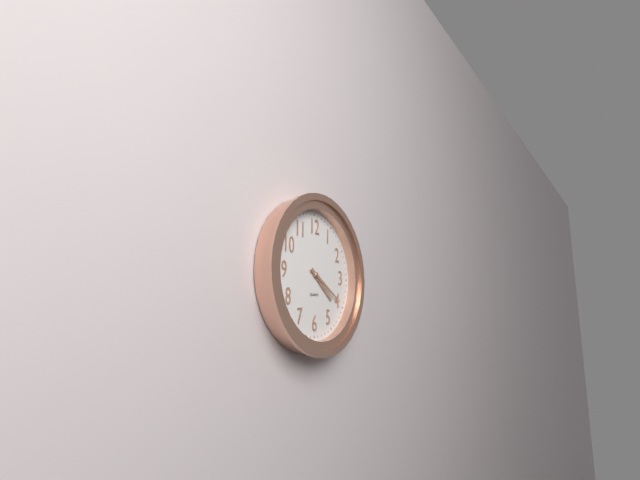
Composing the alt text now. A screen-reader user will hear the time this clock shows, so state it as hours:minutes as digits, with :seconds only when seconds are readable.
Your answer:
4:20
